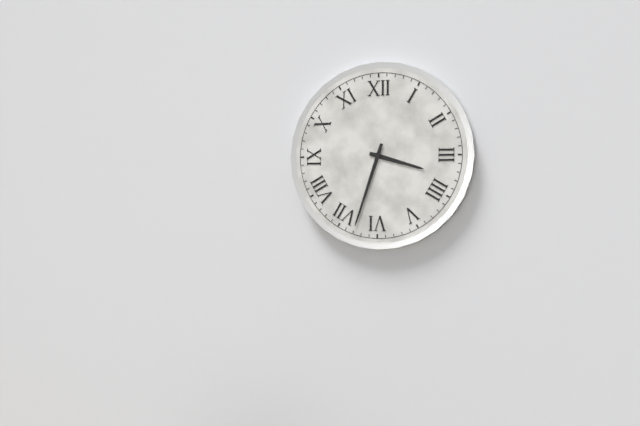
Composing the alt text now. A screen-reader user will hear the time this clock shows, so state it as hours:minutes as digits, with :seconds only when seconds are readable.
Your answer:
3:33
